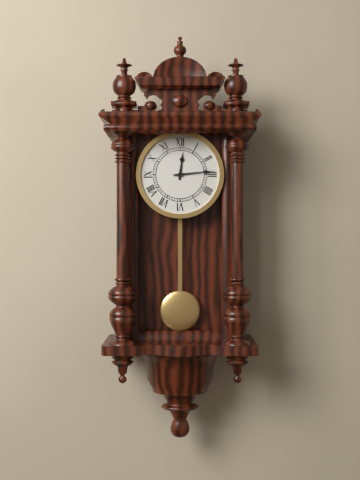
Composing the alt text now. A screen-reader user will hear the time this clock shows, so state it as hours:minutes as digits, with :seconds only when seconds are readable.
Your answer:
12:14
